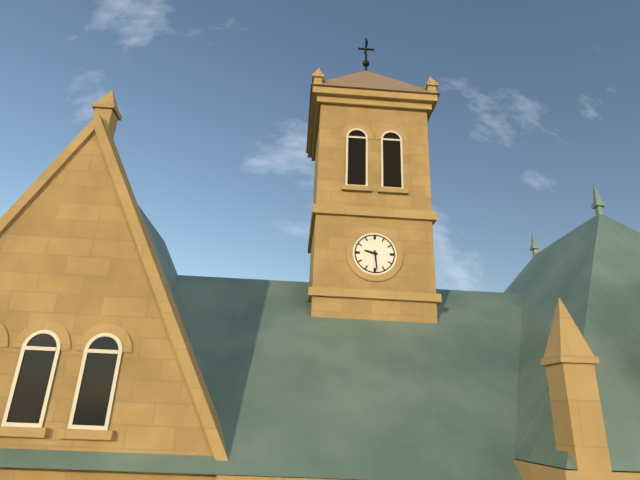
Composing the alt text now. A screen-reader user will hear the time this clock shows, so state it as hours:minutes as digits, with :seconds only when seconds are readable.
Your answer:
9:29
